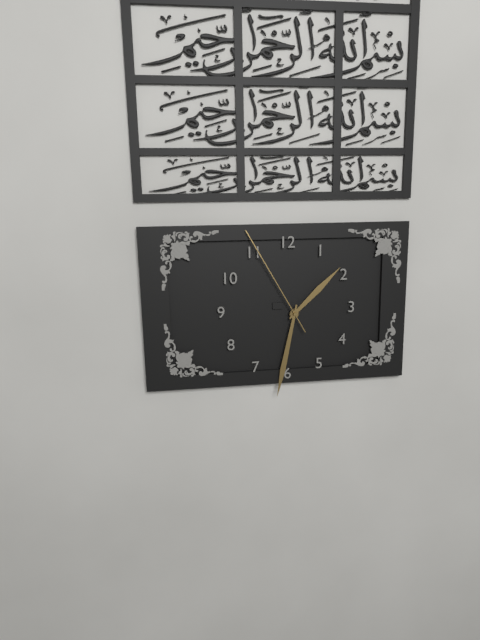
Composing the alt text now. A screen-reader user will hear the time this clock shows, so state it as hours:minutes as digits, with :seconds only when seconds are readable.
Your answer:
1:32:55
